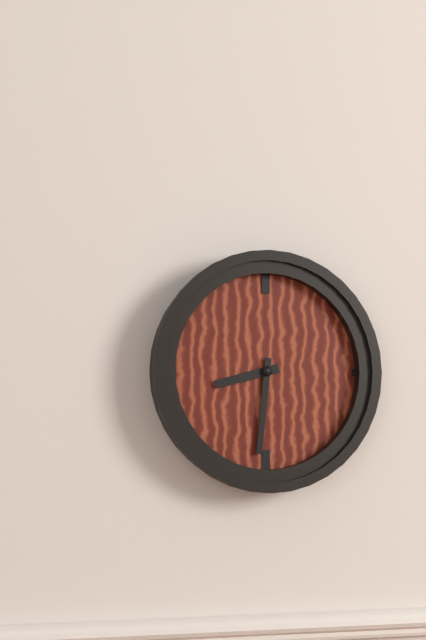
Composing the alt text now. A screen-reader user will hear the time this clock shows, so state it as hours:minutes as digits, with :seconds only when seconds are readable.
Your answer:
8:31
